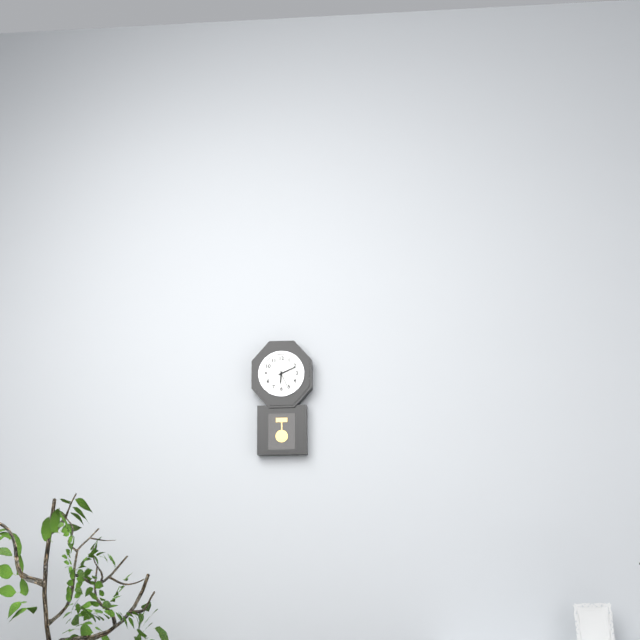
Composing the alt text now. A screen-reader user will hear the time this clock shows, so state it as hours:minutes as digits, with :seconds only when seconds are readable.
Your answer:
6:11
